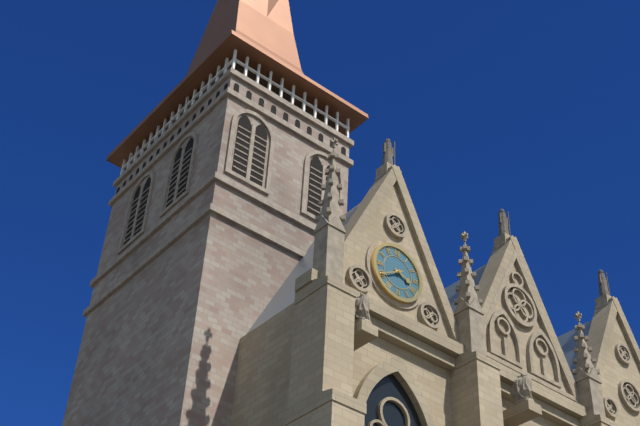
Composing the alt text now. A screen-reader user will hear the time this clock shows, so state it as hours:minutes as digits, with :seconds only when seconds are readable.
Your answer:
3:40
